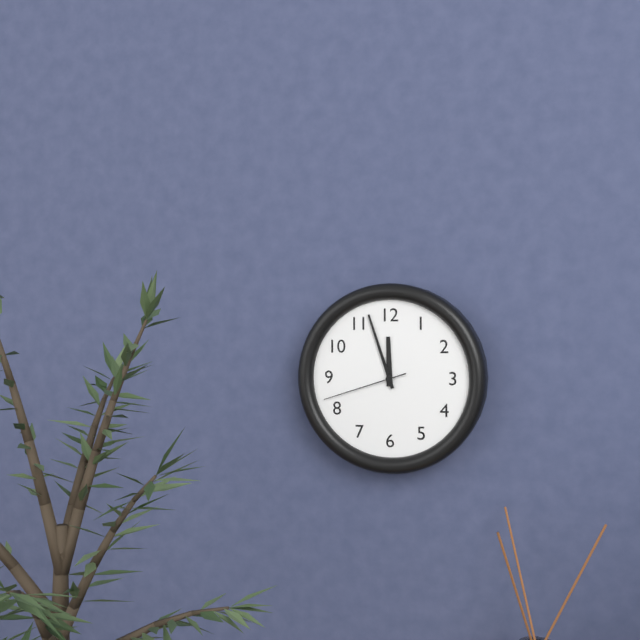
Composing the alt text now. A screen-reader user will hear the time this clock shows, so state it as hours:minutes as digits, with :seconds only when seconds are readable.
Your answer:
11:57:42
